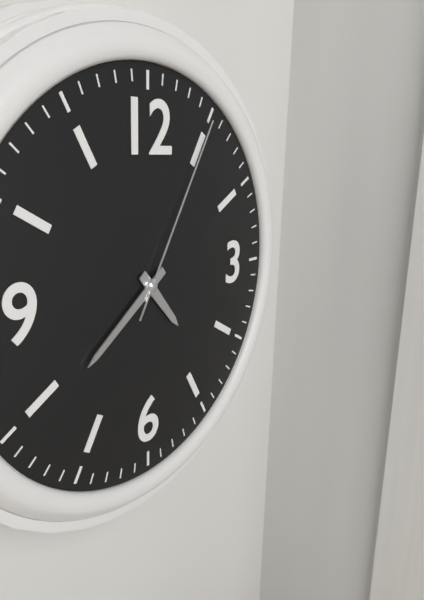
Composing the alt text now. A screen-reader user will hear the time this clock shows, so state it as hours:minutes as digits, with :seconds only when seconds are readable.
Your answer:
4:39:05
